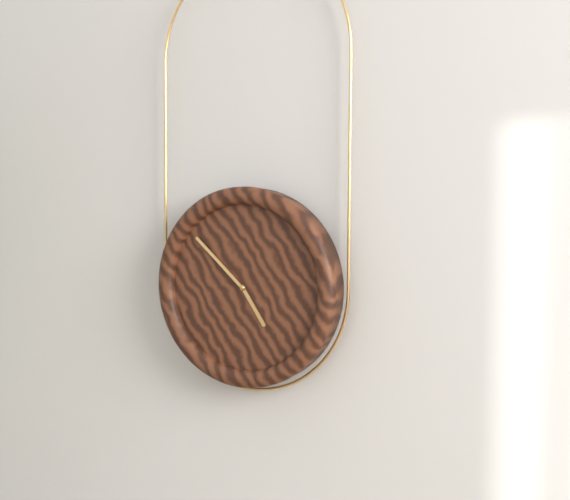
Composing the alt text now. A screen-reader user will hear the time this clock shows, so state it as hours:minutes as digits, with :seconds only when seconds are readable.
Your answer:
4:52
